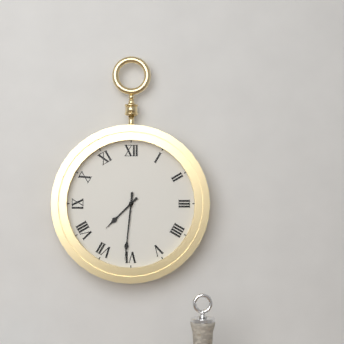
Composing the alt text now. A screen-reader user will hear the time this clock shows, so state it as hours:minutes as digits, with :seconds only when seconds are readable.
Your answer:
7:31
